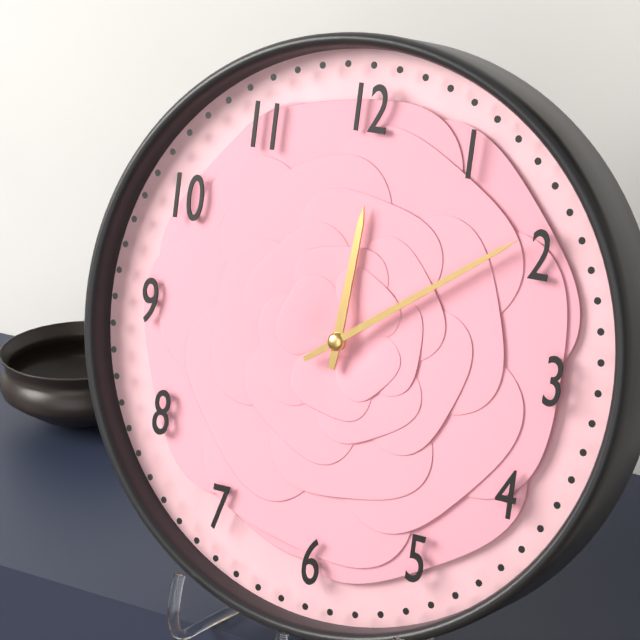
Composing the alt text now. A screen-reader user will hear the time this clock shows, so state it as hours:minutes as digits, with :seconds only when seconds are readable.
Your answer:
12:09
